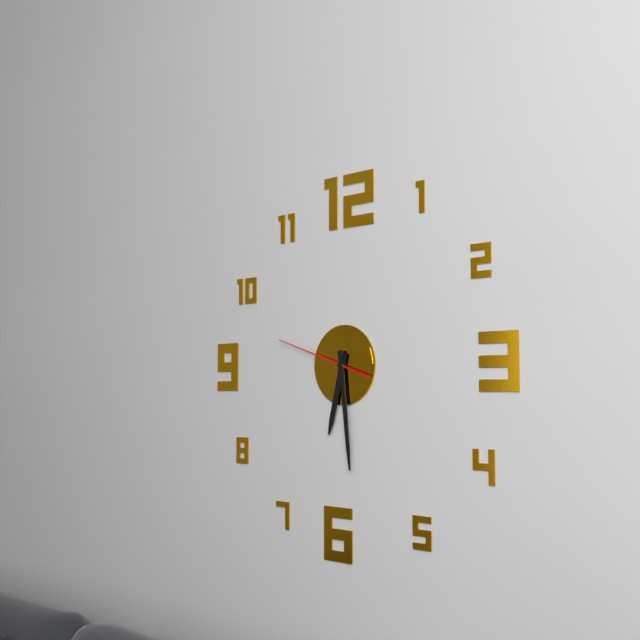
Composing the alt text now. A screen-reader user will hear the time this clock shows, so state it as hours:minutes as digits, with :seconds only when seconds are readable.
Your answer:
6:29:48
